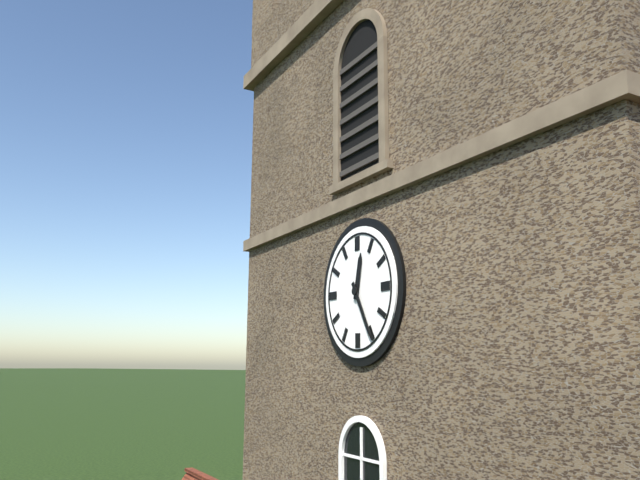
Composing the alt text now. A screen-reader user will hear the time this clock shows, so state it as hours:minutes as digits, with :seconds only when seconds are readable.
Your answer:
12:25
